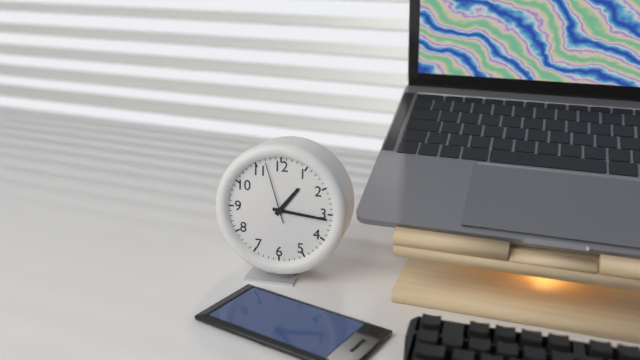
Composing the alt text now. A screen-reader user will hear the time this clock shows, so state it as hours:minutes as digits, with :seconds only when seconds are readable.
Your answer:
1:16:57
